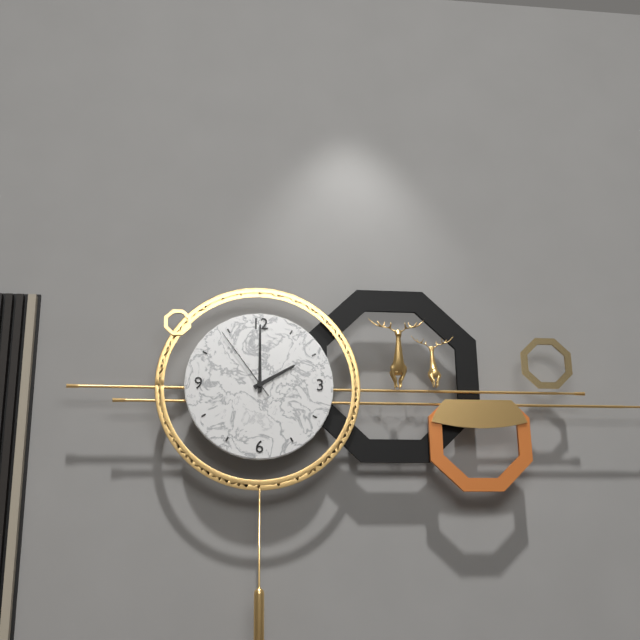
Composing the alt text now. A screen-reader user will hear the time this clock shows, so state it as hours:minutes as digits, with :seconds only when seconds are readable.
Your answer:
2:00:54
